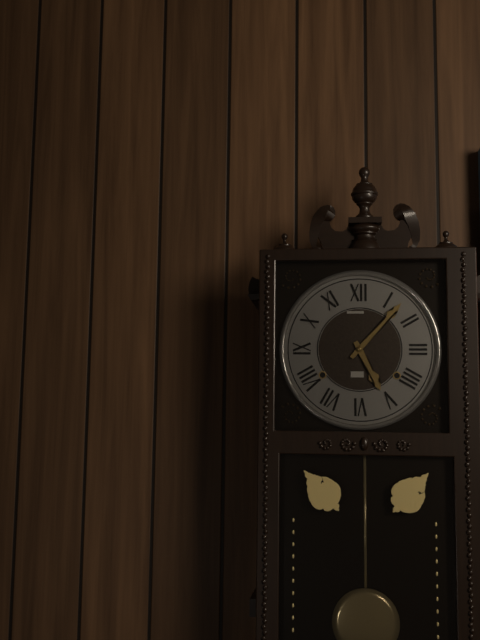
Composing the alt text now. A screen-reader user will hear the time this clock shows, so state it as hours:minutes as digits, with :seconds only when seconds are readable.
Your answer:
5:07
